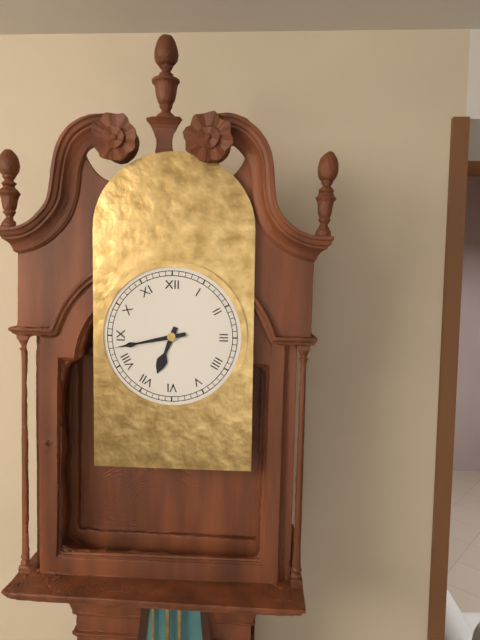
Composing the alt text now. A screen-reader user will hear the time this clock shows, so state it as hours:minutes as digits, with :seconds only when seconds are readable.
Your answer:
6:43
